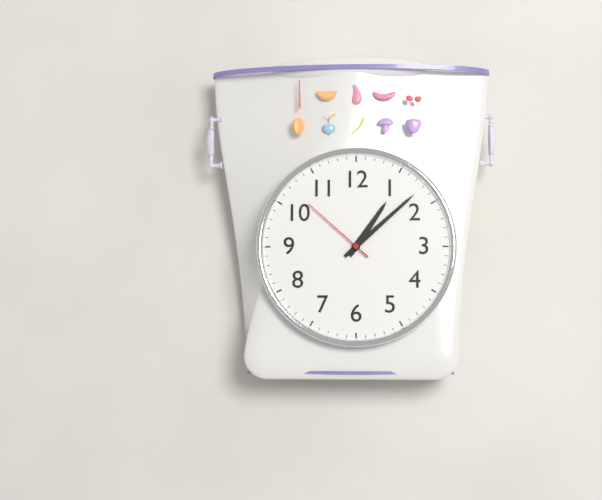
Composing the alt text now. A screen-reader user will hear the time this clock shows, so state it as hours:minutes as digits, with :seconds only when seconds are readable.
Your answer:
1:08:52
